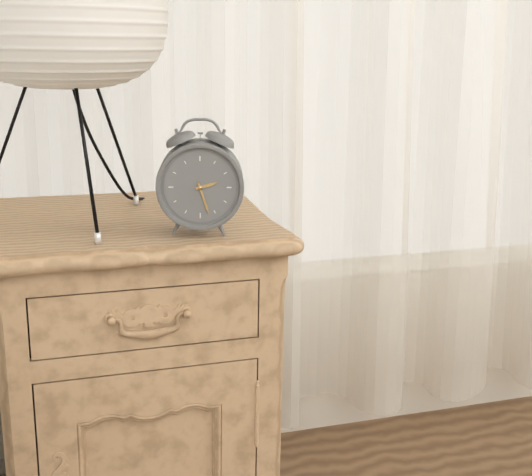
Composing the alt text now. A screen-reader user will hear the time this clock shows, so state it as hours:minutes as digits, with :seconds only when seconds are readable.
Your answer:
2:27
